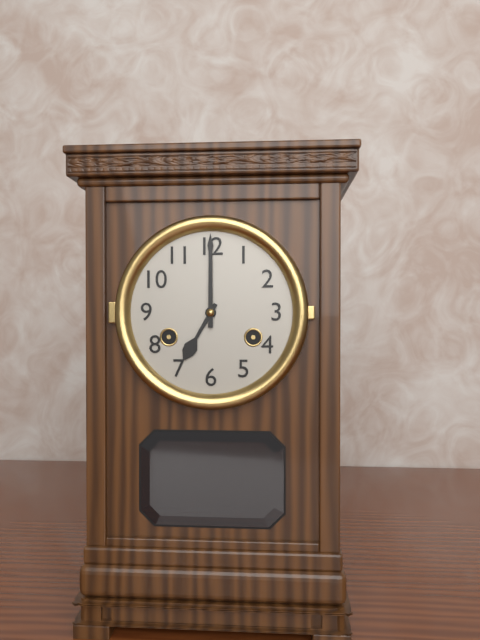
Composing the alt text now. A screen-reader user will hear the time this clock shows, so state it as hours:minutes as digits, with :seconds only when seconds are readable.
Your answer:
7:00
